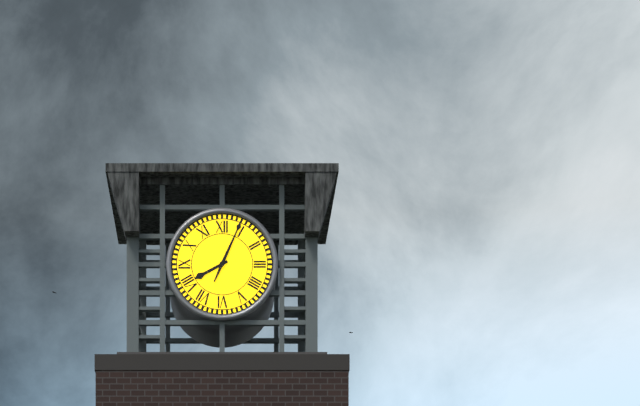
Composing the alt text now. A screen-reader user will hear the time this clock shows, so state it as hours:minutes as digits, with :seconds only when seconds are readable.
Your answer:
8:04
